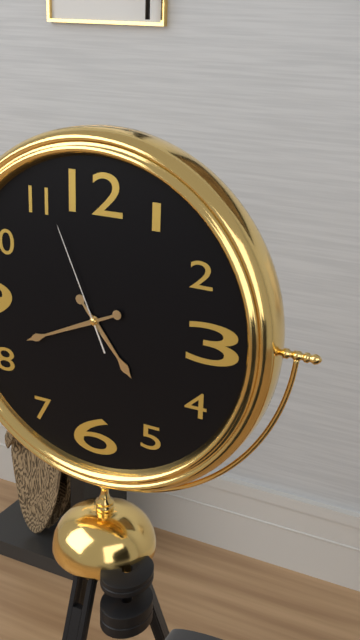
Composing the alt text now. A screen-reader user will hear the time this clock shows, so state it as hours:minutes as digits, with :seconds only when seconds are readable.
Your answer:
4:41:56
